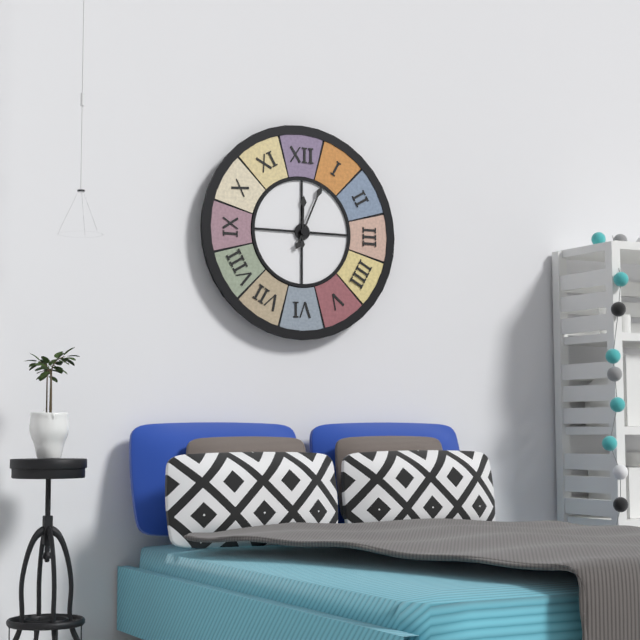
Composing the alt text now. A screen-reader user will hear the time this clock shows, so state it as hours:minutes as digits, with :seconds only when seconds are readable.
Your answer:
12:04
